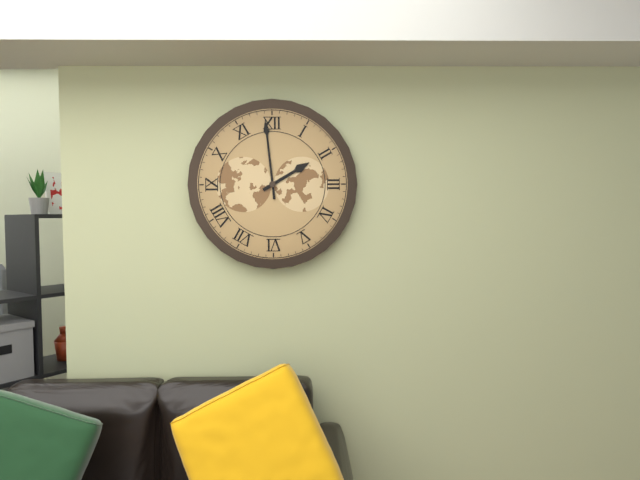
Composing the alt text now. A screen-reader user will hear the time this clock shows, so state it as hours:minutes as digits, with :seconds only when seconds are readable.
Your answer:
1:59
